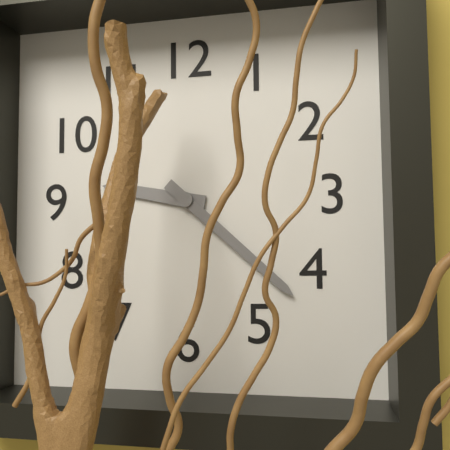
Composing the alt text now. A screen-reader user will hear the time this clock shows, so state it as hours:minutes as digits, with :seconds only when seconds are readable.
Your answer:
9:22
